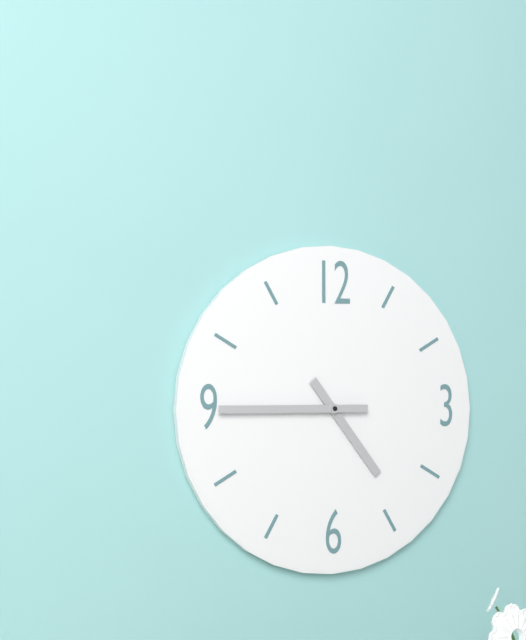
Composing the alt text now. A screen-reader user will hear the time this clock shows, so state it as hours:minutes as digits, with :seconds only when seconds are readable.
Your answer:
4:45
